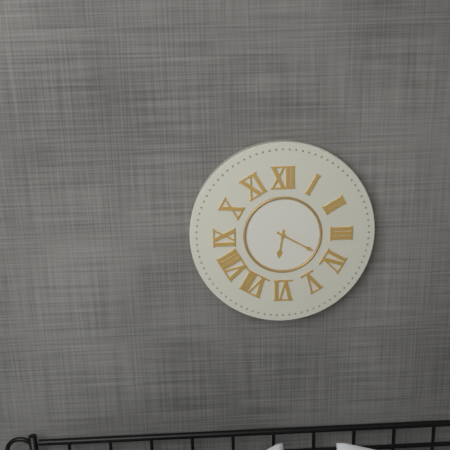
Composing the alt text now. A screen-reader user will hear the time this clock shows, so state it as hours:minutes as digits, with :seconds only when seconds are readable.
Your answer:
6:20
